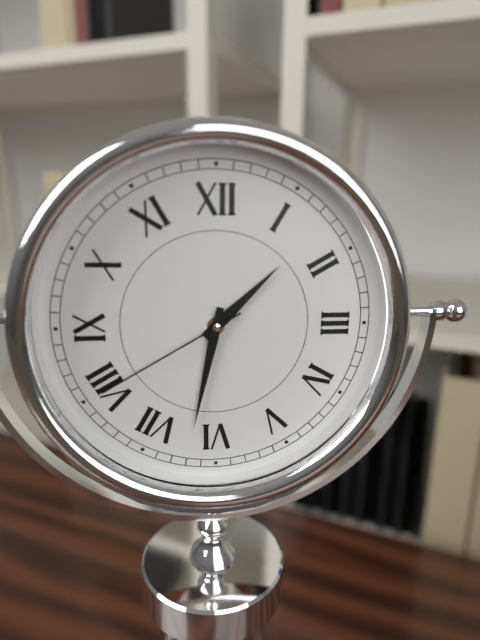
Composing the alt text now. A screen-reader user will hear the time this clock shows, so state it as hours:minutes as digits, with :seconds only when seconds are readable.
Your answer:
1:32:40
